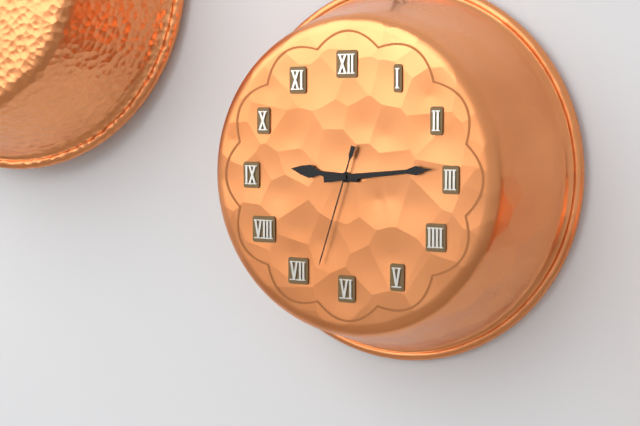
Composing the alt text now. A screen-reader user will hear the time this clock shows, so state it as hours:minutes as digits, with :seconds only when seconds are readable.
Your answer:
9:14:33
